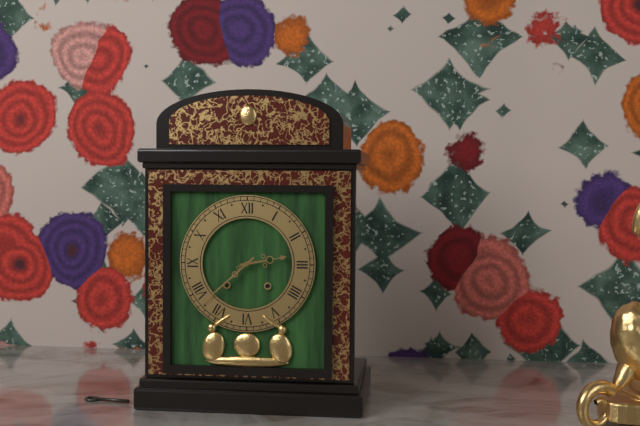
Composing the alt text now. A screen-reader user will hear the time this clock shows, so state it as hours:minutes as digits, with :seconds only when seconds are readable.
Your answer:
2:38
